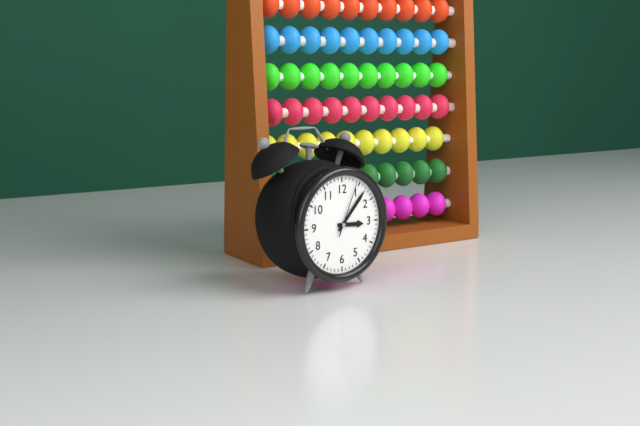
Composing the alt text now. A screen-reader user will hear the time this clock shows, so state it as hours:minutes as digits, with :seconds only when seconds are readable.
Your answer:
3:07:04
